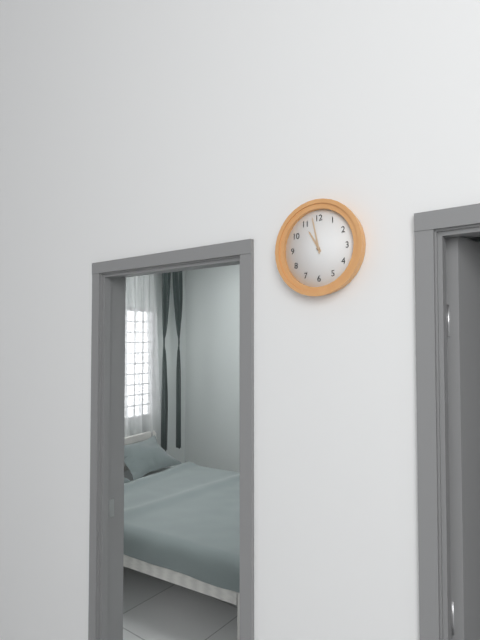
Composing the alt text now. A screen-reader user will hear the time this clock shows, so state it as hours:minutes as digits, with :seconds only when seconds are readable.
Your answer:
10:58
